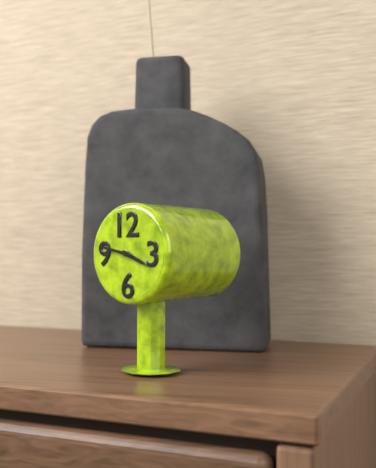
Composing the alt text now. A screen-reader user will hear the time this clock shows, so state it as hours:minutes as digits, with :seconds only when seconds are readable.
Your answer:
3:47
